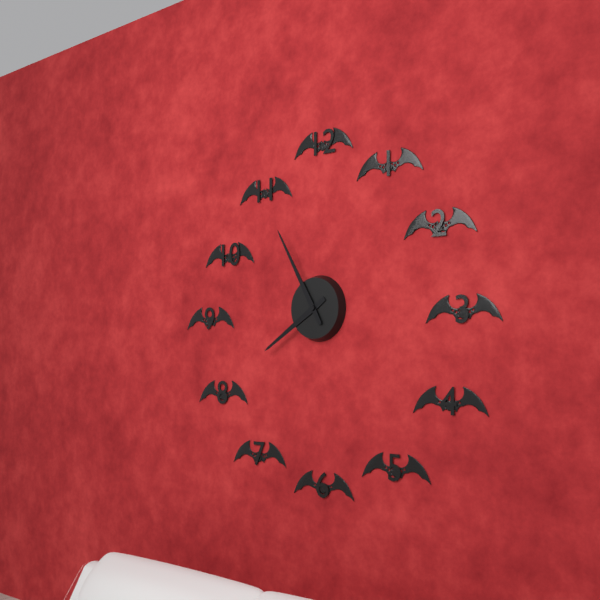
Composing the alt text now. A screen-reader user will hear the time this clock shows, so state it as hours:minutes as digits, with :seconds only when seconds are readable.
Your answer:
7:55
